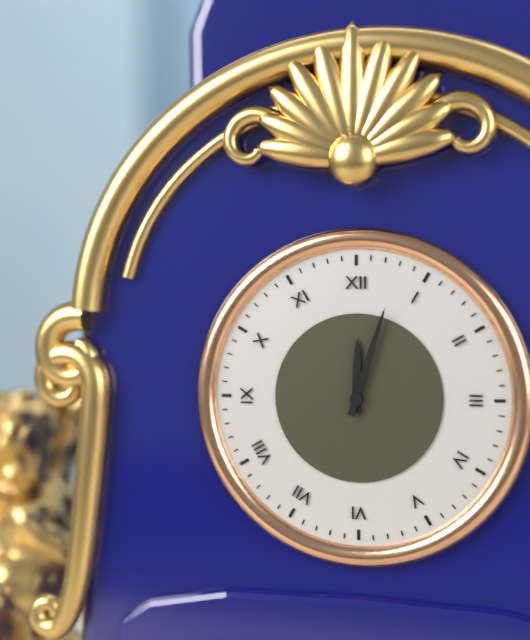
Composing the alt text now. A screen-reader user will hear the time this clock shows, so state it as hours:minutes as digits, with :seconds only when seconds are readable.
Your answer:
12:03
